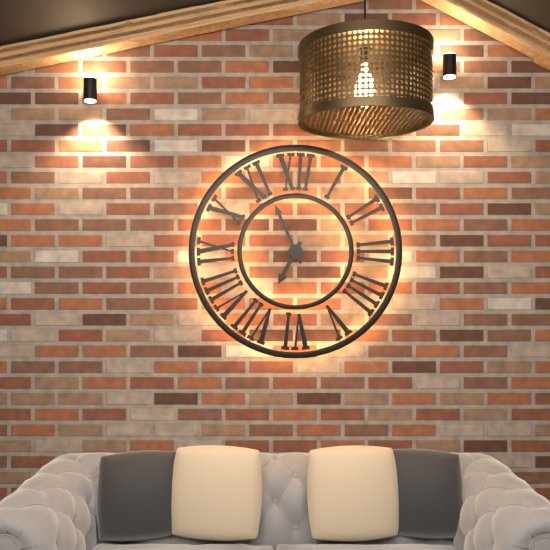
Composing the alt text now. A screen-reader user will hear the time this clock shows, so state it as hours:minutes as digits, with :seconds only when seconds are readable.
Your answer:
6:56
